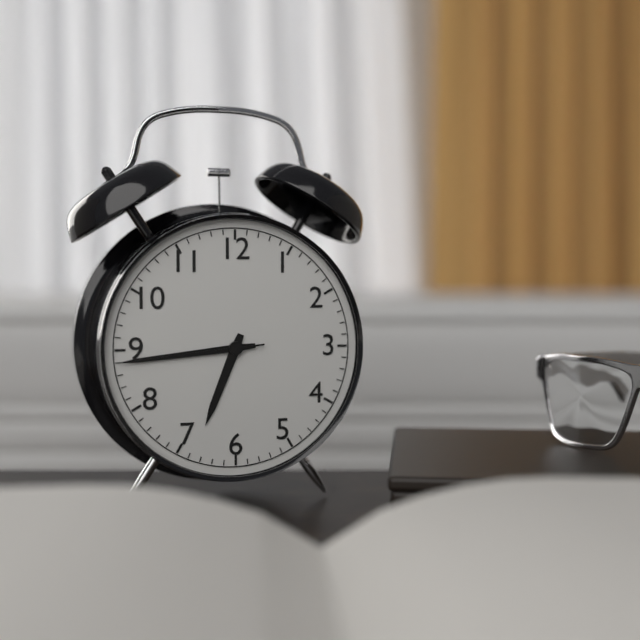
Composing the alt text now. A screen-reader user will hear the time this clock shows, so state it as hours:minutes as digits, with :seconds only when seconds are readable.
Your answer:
6:44:44
